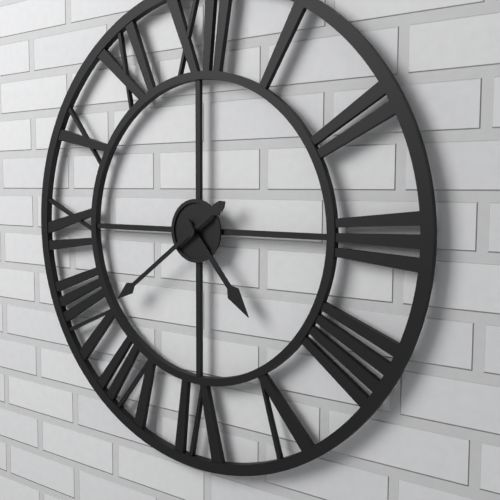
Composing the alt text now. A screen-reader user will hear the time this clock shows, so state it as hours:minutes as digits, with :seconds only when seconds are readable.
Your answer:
4:39
